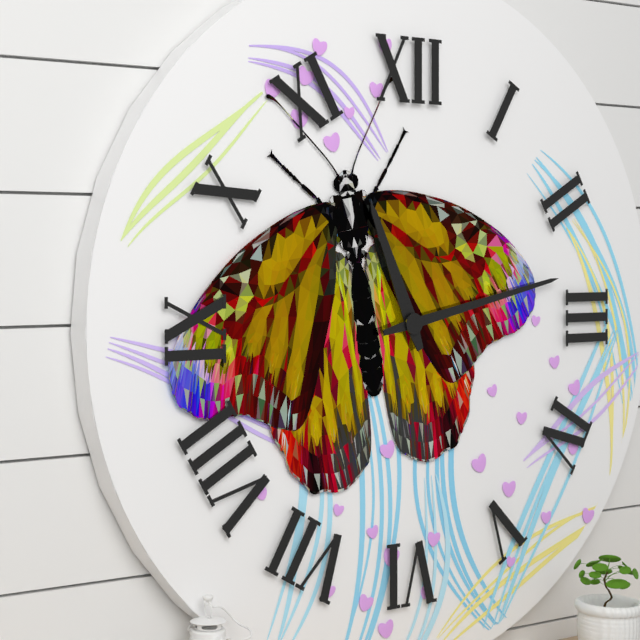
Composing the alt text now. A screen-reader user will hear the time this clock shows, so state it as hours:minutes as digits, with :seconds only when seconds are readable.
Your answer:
11:13
